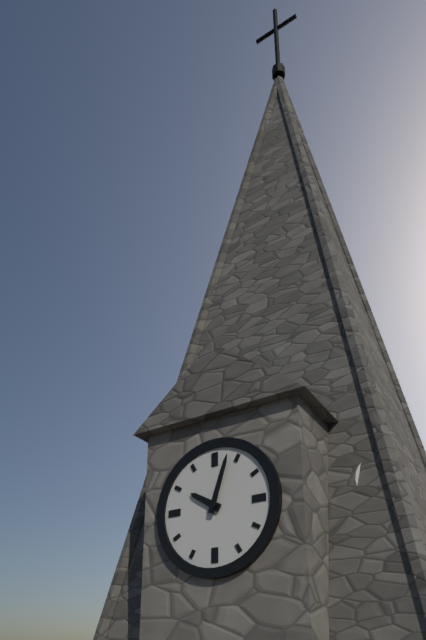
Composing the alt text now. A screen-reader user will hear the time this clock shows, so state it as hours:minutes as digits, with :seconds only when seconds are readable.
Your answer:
10:03
